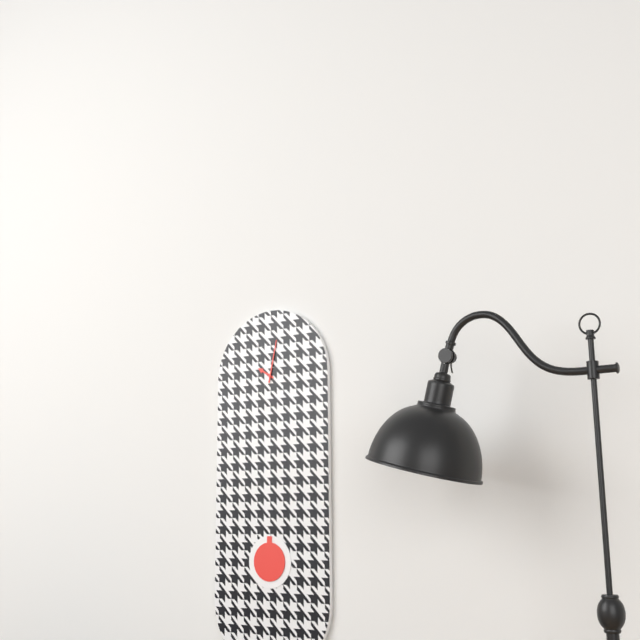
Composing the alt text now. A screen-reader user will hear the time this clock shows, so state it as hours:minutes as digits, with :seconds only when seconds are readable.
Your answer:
10:02
